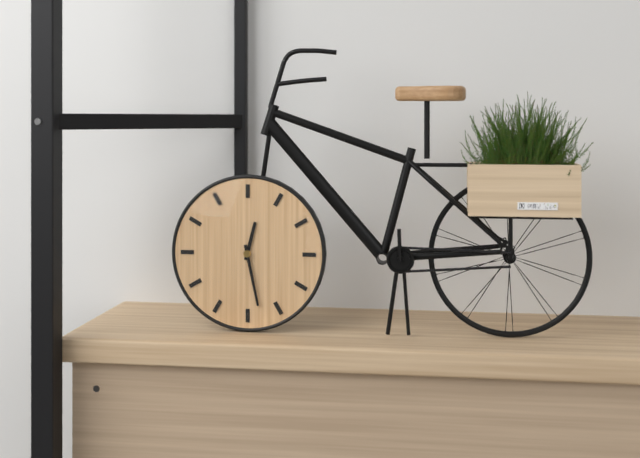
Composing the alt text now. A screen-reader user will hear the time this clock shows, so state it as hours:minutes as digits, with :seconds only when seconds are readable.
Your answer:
12:28
